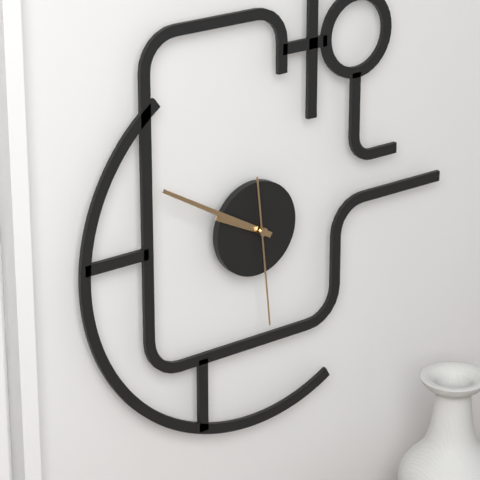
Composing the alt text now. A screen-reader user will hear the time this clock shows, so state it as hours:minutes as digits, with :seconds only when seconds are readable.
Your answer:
9:50:29
